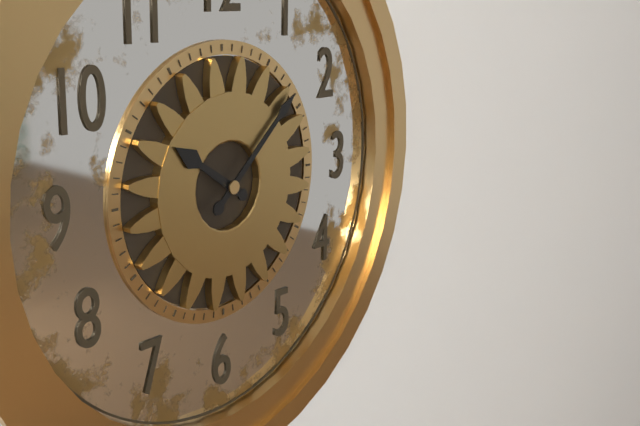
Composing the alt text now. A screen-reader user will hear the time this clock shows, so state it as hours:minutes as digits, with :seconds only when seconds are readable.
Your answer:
10:08
